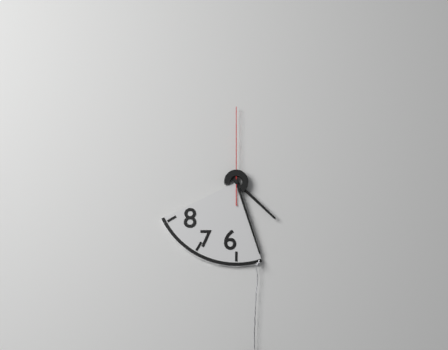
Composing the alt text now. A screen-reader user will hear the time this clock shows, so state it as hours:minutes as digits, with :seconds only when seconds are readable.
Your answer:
4:27:00
